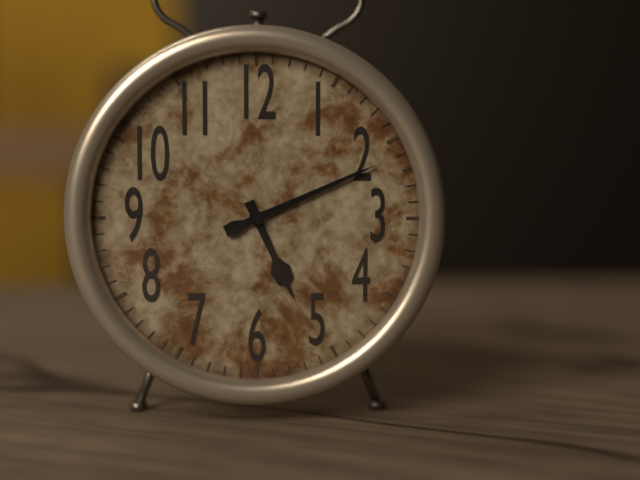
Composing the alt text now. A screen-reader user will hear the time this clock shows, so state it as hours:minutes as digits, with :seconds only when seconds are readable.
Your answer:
5:11
